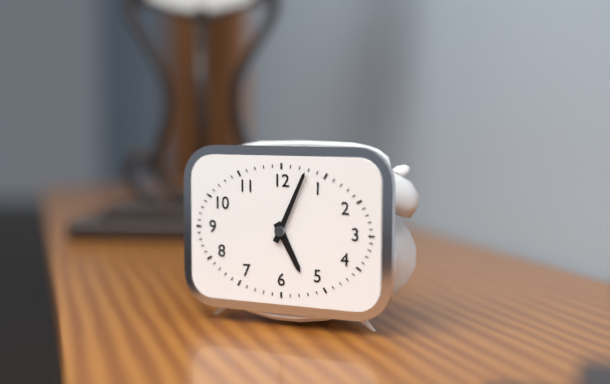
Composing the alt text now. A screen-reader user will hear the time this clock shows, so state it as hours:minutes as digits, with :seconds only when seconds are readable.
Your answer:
5:04
